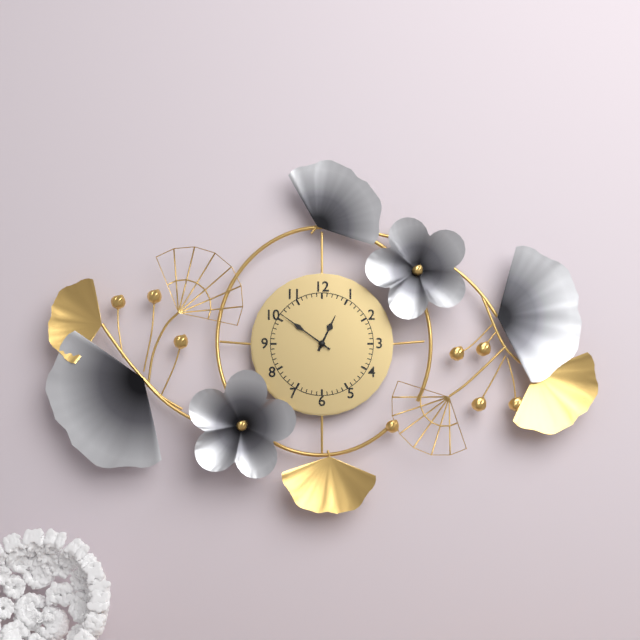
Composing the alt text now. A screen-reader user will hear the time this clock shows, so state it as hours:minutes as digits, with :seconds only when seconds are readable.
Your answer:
12:51
